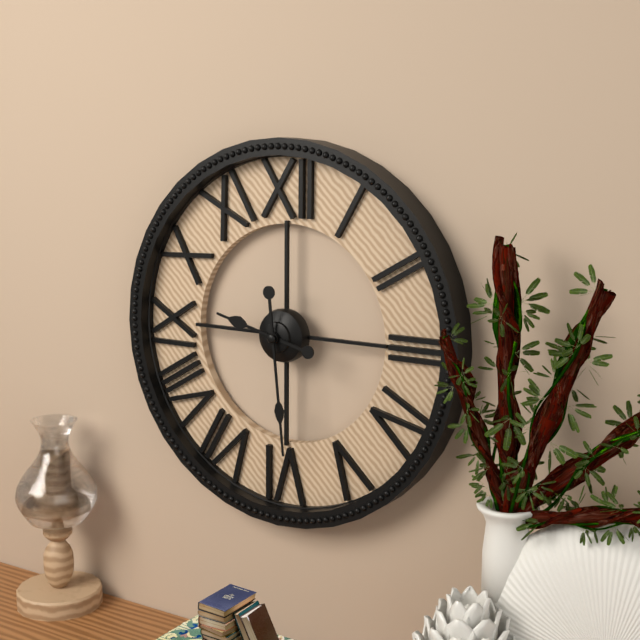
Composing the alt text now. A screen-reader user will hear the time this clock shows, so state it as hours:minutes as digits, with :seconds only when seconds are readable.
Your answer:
9:29
